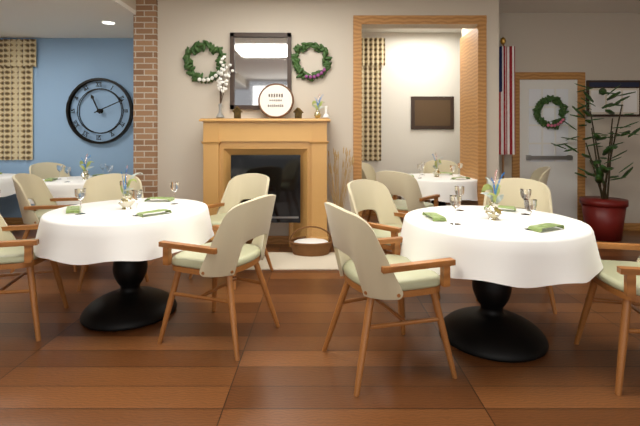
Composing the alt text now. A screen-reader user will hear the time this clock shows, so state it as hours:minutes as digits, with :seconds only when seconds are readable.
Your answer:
11:11
